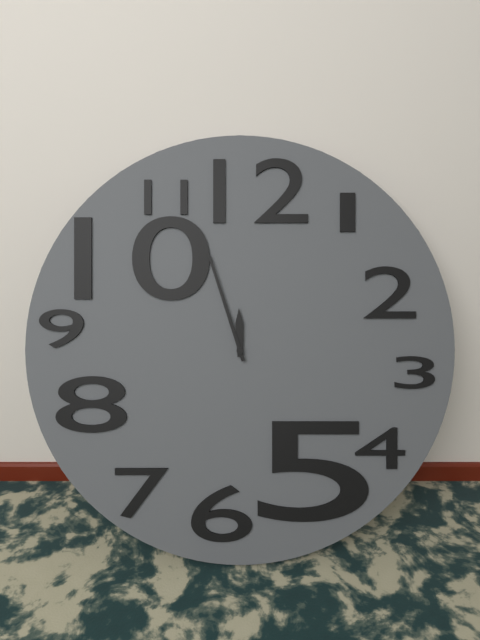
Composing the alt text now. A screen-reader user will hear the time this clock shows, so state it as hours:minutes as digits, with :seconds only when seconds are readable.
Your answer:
11:57
